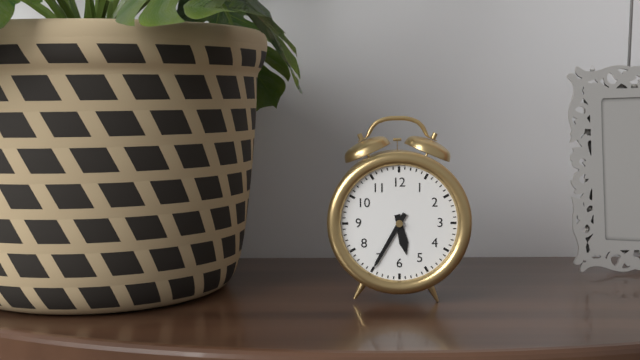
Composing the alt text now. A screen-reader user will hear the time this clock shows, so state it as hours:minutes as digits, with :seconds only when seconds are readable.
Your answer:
5:35
